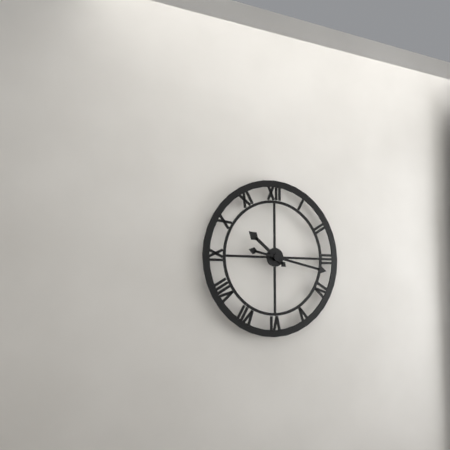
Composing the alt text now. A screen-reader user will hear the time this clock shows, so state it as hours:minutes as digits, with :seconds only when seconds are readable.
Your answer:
10:17
